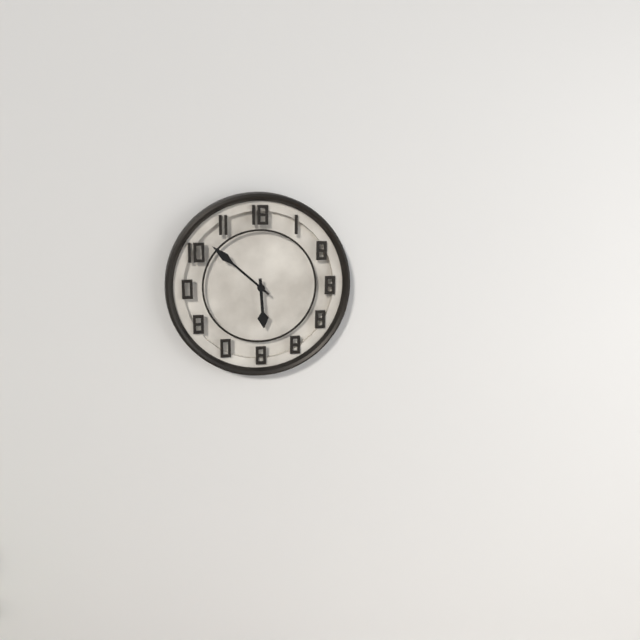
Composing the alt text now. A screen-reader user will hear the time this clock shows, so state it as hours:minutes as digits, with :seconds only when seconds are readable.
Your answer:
5:52
